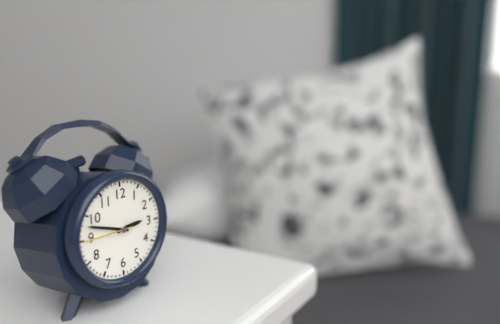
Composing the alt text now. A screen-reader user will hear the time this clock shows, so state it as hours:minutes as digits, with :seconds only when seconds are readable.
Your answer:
2:48:45
